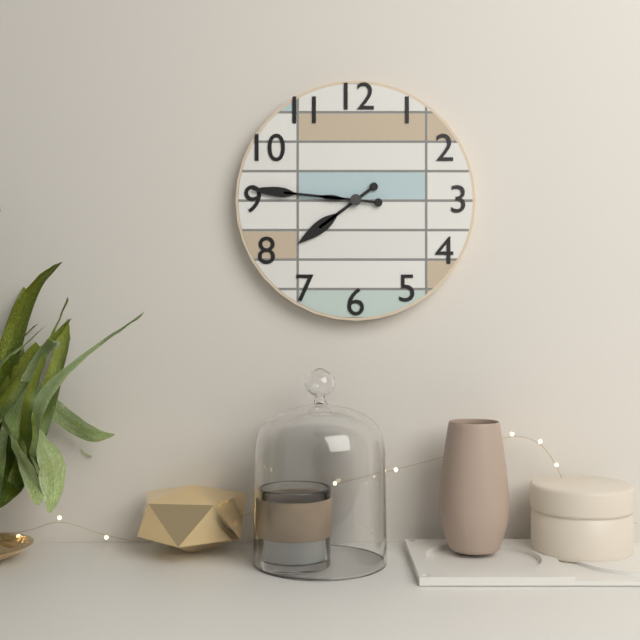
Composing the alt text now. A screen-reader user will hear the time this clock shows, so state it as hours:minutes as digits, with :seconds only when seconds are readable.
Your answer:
7:46
